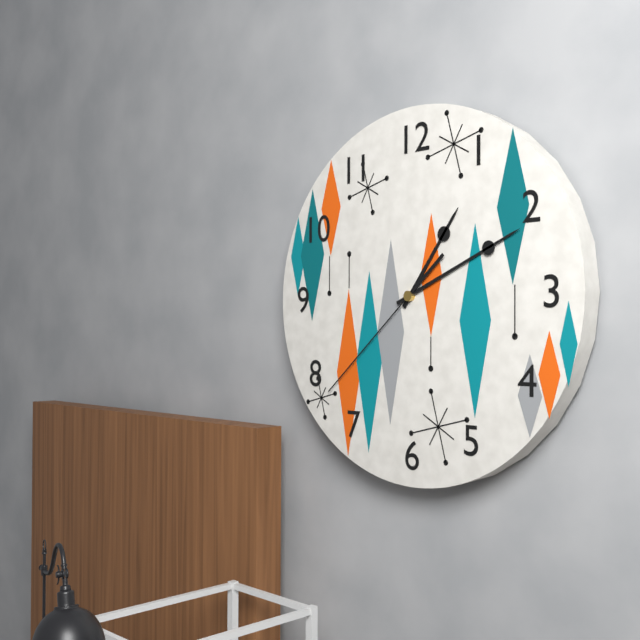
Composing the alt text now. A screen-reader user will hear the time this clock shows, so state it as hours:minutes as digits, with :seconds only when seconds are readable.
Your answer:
1:11:38
